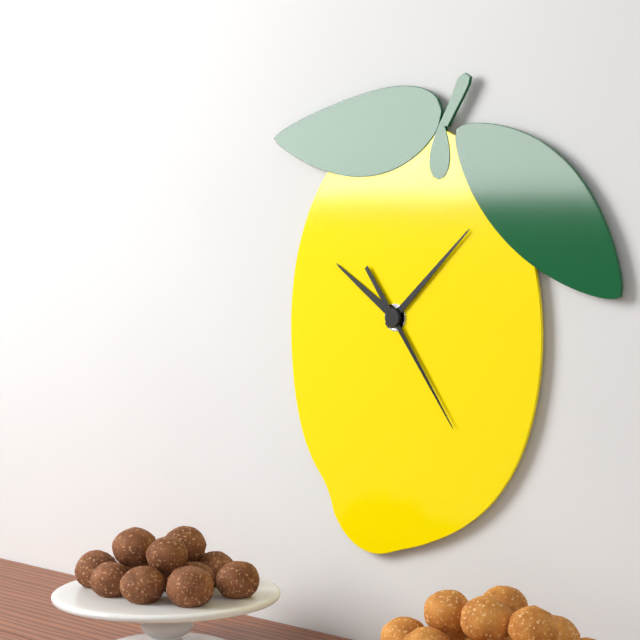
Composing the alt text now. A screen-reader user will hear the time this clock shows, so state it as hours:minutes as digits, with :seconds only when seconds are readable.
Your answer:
10:08:24
